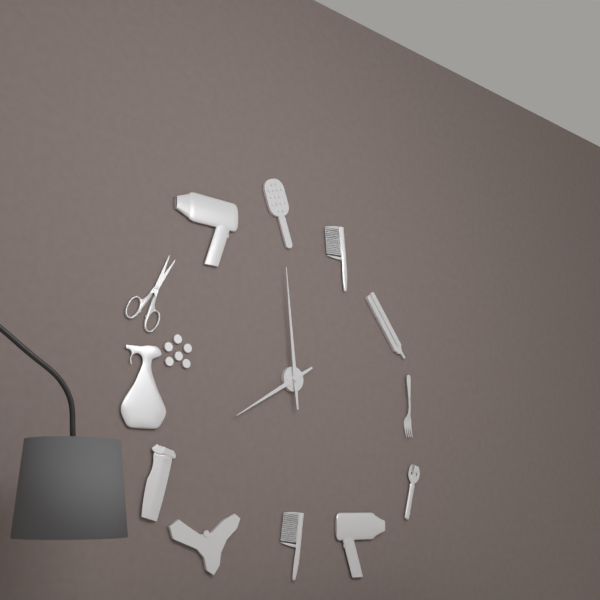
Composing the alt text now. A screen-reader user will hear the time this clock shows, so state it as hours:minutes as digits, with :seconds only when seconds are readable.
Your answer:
7:59
